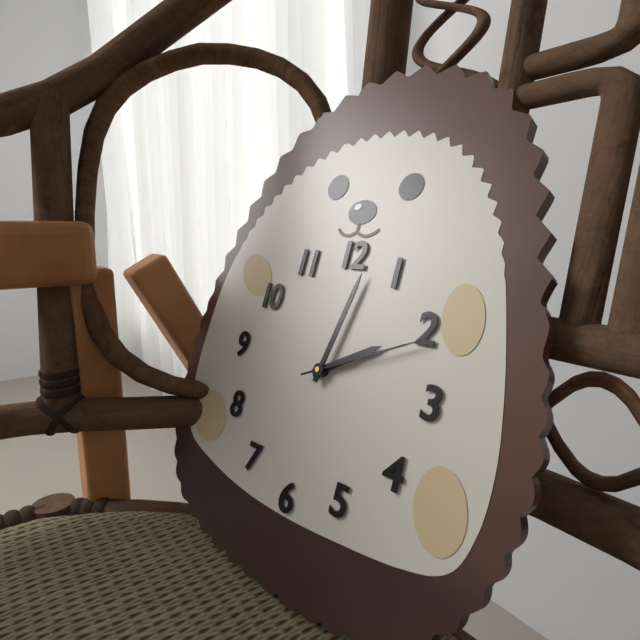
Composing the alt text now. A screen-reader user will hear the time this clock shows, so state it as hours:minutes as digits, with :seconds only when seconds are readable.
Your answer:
2:02:11
